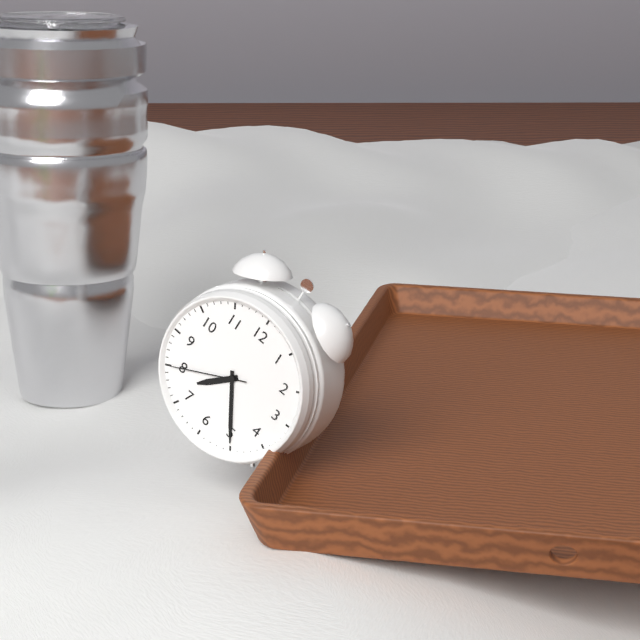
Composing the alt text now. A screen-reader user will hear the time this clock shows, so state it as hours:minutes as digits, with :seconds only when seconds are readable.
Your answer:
7:25:40
